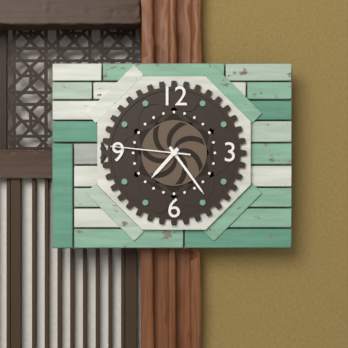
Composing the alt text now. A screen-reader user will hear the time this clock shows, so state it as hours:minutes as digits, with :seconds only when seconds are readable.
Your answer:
7:24:46
